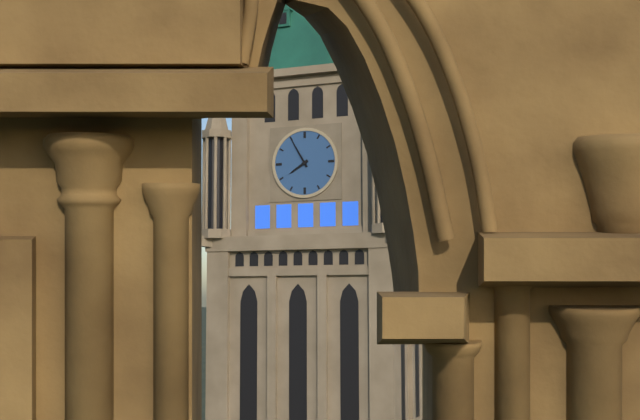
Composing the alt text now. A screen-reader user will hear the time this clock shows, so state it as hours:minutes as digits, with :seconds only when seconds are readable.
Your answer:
7:55
